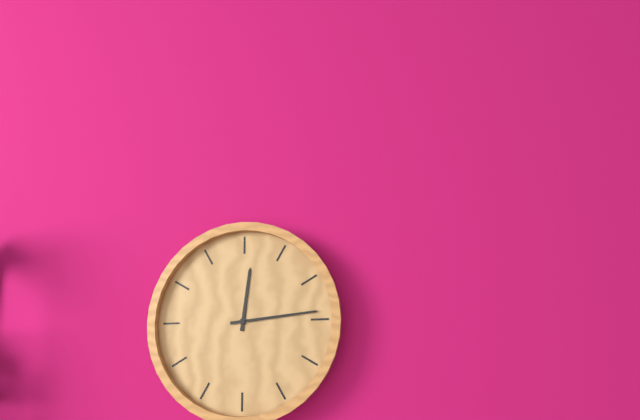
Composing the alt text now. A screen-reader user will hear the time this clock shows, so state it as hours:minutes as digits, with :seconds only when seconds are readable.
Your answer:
12:14
